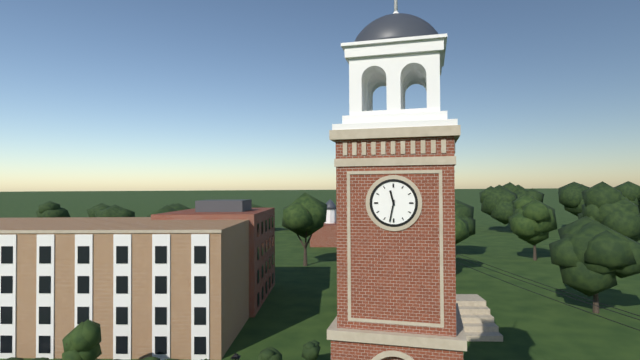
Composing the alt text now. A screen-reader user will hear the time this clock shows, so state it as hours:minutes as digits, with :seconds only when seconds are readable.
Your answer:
11:32
